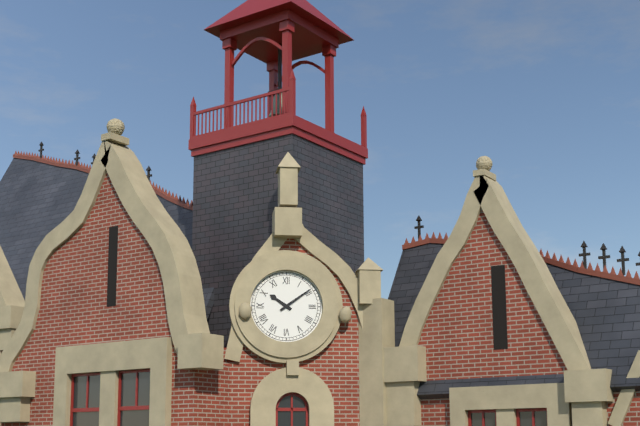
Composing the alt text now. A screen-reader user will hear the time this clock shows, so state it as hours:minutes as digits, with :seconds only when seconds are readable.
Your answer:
10:09
